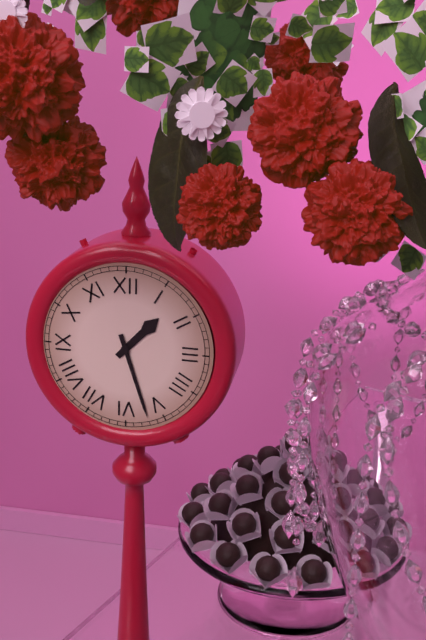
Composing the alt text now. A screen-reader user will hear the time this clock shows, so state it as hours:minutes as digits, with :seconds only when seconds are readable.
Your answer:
1:27
